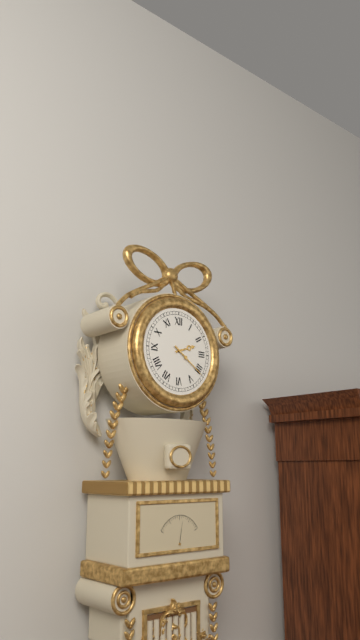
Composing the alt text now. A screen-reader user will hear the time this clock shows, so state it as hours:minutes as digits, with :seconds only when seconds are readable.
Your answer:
2:21
